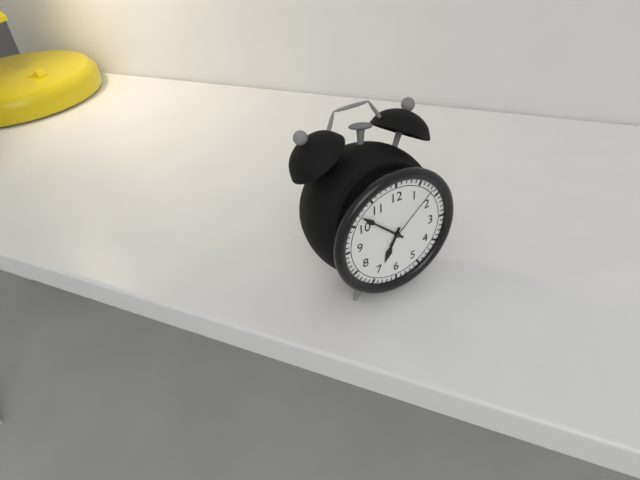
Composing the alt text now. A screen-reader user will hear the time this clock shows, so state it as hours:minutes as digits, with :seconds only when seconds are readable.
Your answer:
6:52:08
